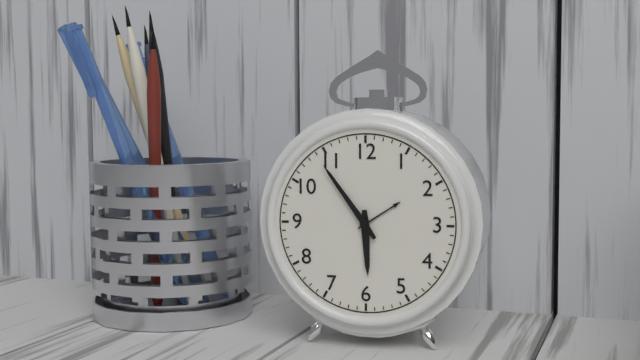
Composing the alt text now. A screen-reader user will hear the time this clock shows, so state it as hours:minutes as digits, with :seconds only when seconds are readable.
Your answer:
5:54
